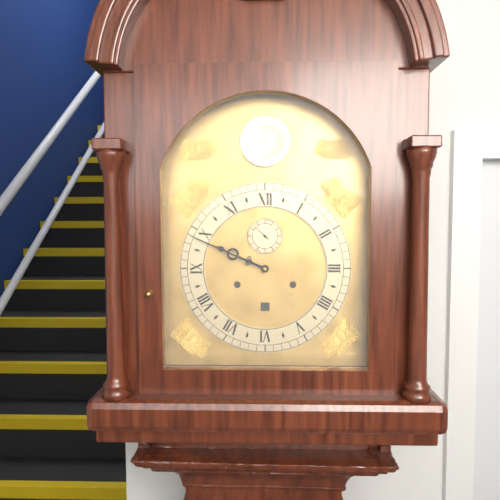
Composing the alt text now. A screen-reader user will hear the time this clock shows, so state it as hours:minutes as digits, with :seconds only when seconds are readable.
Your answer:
9:49
